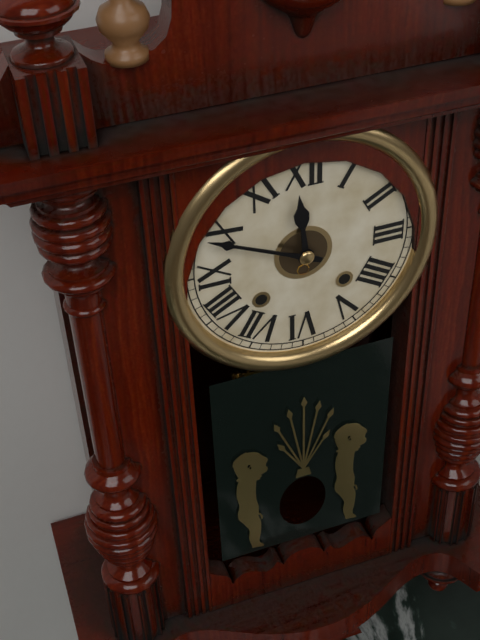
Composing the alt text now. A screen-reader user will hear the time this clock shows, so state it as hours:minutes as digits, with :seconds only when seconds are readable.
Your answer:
11:49
